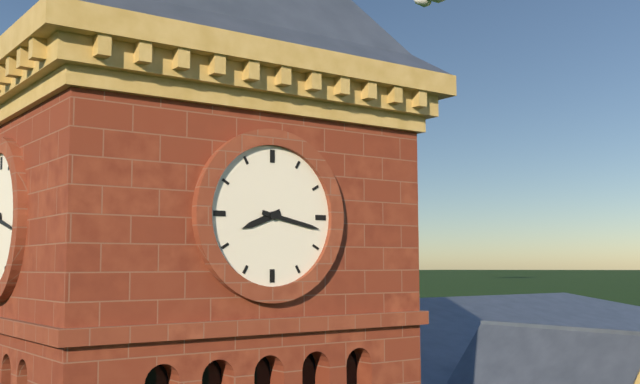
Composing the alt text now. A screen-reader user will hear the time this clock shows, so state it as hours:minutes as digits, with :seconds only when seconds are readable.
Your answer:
8:17
